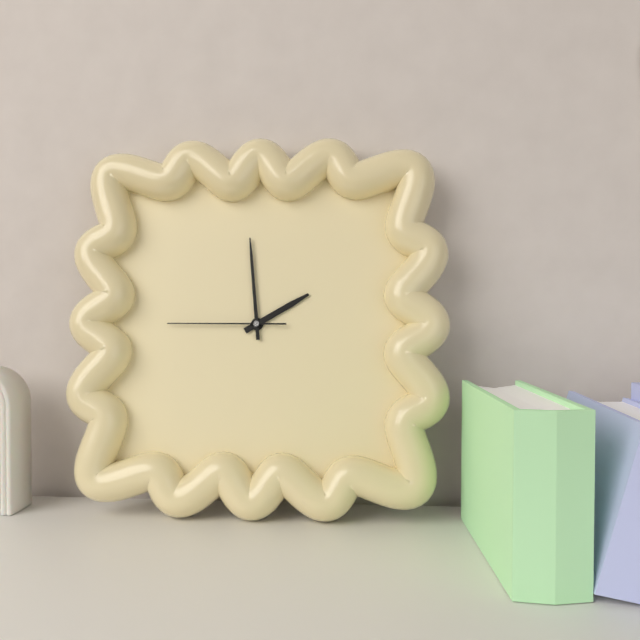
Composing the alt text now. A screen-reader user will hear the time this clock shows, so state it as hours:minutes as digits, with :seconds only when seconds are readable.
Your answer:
1:59:45
